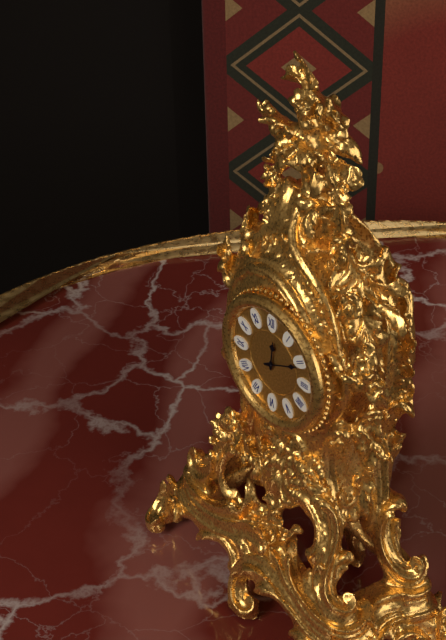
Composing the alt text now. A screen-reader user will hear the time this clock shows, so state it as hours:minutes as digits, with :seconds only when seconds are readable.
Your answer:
12:11
